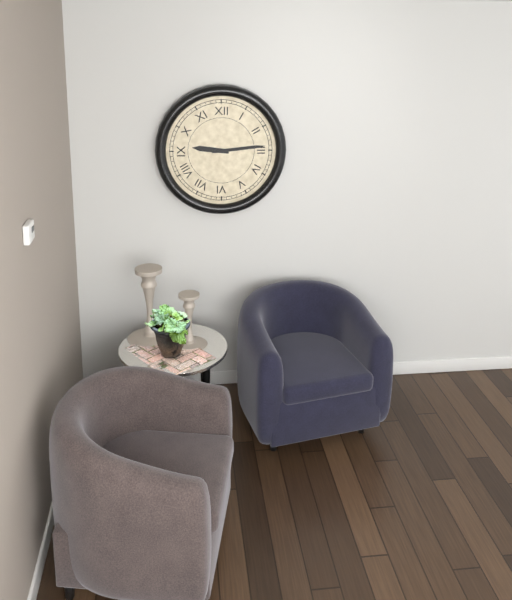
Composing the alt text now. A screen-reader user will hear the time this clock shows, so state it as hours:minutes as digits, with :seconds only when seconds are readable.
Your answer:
9:14
